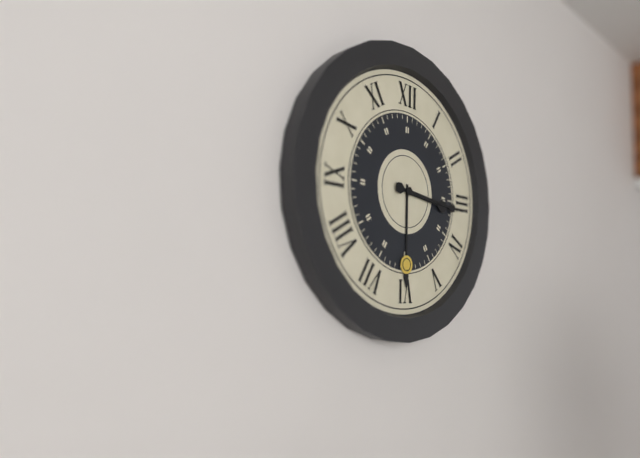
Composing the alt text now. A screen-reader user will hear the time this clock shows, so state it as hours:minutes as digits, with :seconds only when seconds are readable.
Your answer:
3:16
